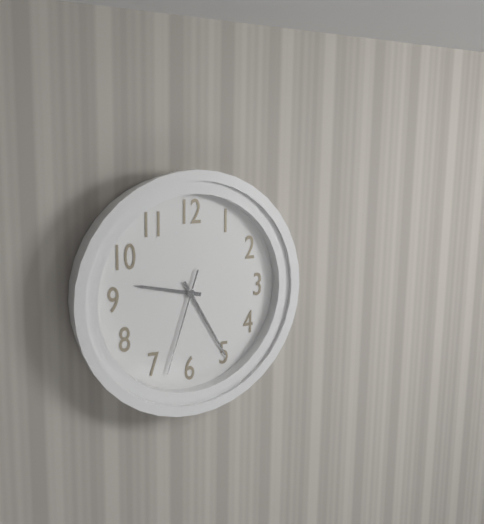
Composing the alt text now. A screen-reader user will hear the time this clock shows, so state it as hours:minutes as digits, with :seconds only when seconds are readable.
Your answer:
9:25:33
